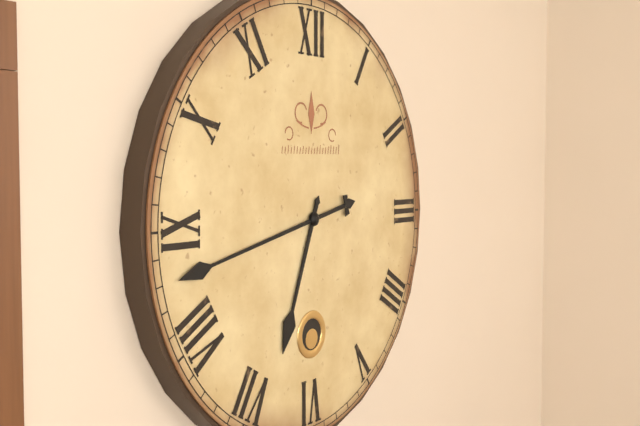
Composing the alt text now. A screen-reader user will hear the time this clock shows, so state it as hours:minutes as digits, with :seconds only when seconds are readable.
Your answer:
6:43
